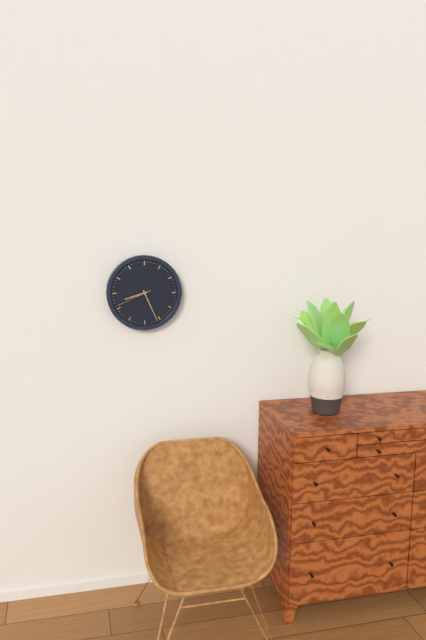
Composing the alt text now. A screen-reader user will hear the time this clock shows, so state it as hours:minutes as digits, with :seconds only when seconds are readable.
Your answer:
8:26
